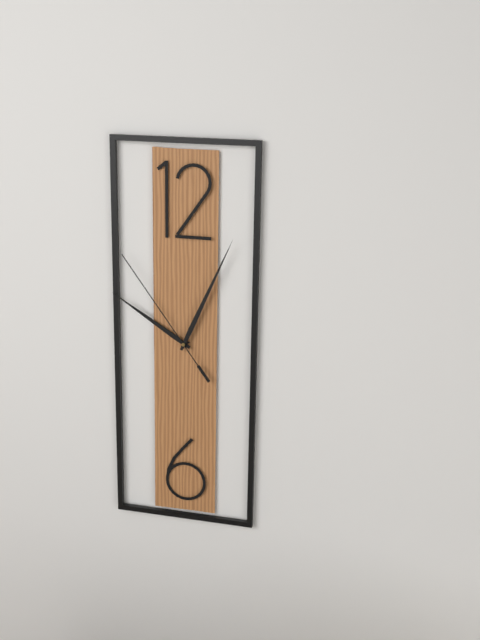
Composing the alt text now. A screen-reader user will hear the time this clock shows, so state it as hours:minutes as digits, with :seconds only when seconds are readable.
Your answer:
10:04:54
